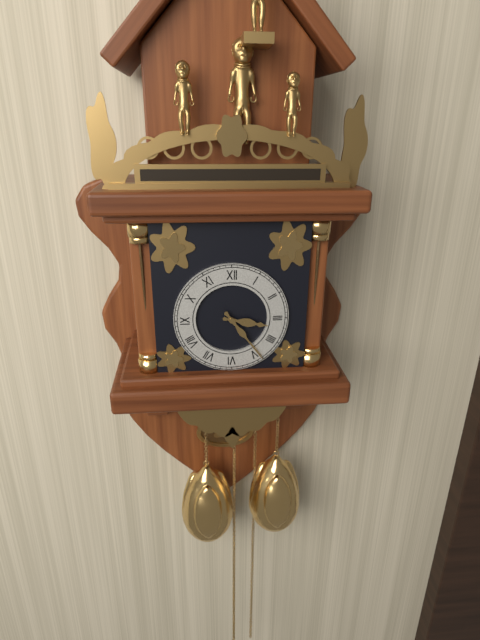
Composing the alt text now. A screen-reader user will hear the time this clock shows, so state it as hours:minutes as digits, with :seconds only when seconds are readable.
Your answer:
3:24
